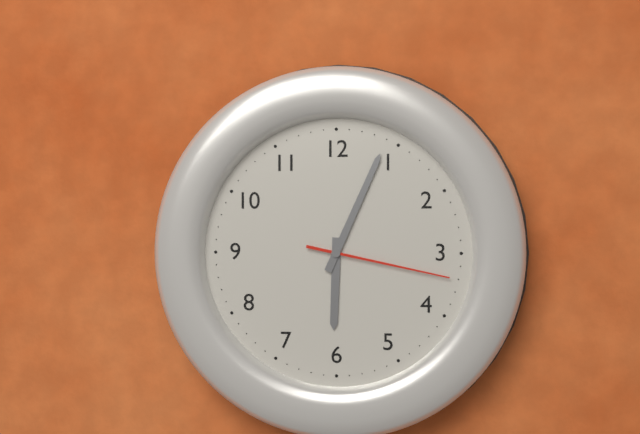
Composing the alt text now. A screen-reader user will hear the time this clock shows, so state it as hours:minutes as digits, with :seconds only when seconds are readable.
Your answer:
6:04:17
